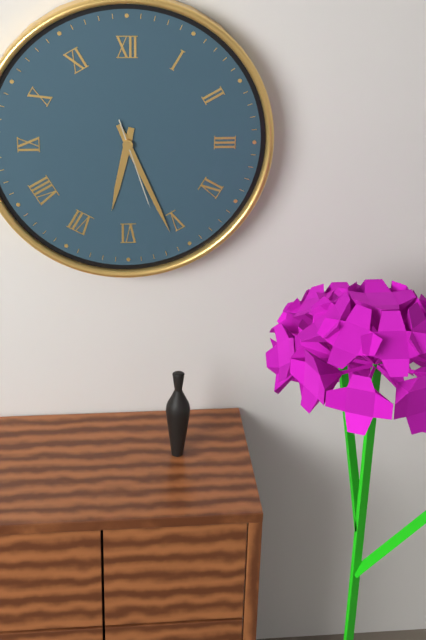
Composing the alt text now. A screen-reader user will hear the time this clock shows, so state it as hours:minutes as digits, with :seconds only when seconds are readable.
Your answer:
6:26:27
